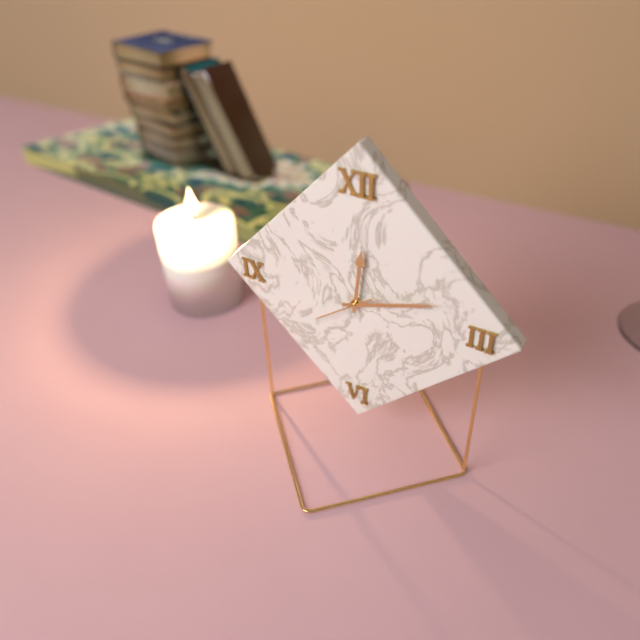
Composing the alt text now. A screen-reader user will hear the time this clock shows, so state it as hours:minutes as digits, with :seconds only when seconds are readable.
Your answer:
12:12:39
